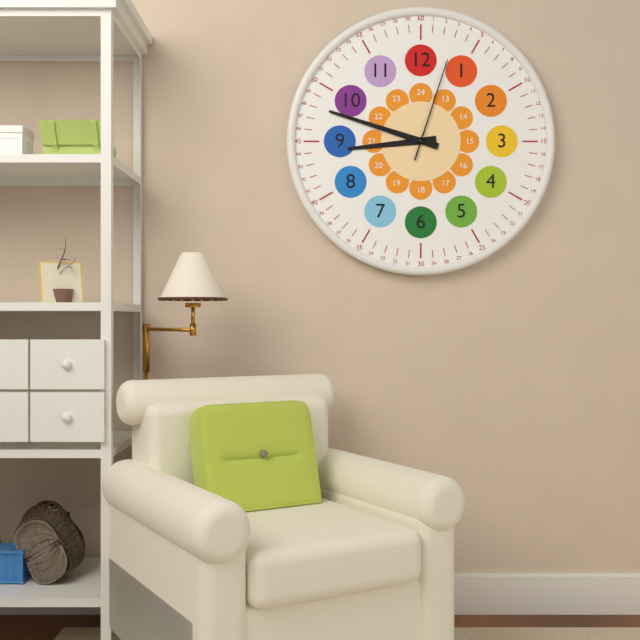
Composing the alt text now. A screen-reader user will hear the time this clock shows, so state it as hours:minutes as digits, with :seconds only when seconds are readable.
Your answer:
8:48:03
